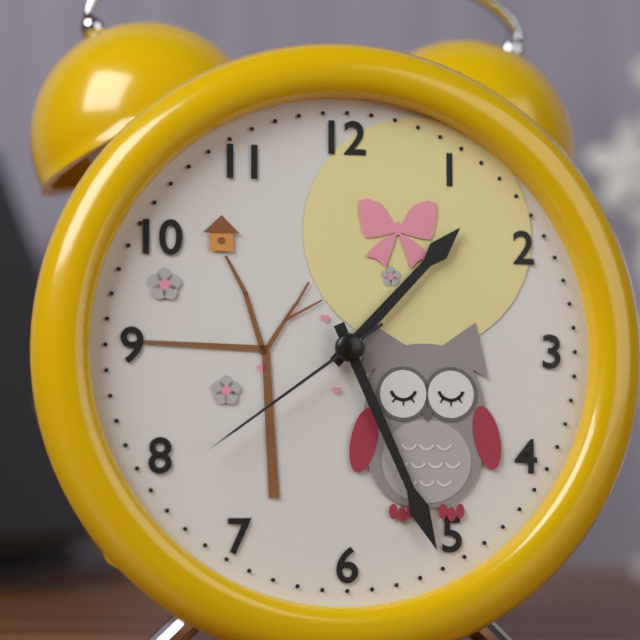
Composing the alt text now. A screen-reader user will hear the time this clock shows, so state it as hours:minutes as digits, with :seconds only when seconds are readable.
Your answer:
1:26:39
